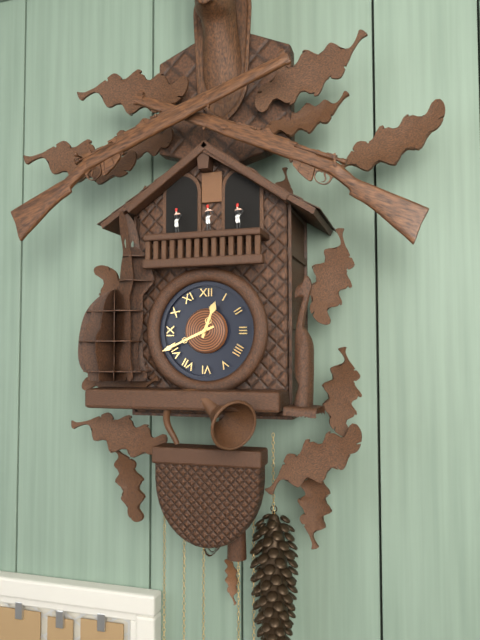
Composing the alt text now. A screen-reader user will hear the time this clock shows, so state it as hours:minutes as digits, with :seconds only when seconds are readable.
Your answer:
12:41
